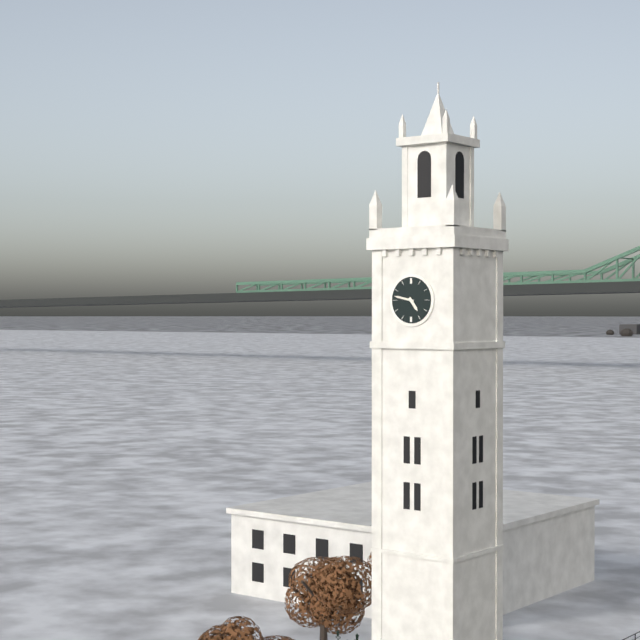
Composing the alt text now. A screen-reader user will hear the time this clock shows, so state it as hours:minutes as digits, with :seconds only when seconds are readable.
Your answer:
4:47
